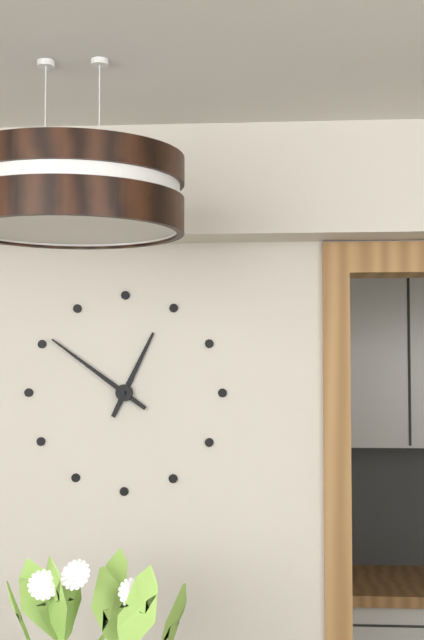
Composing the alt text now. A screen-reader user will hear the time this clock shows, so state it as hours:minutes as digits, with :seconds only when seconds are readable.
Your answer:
12:51
